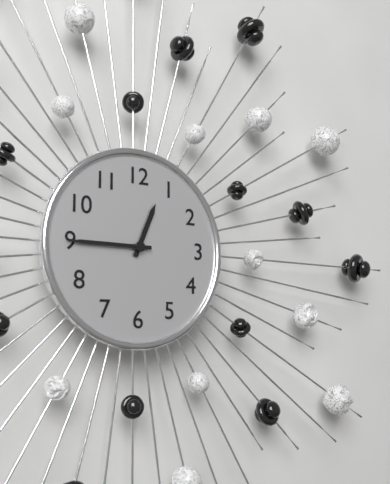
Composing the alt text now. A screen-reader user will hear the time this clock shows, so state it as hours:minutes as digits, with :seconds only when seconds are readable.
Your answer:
12:45
